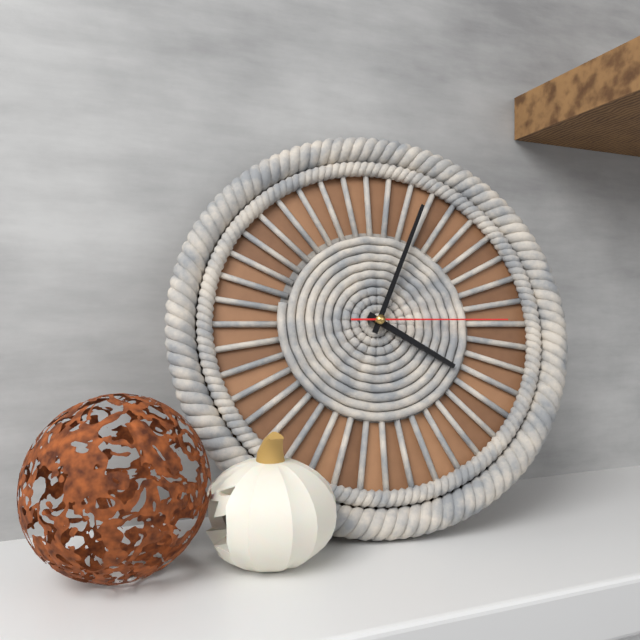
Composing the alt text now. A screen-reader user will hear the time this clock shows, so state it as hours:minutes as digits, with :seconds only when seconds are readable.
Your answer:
4:04:15
